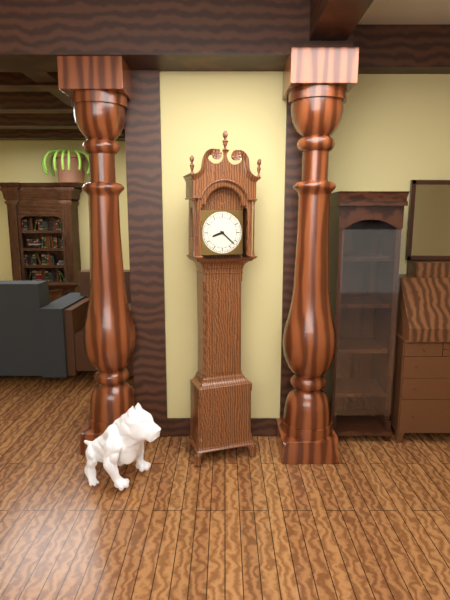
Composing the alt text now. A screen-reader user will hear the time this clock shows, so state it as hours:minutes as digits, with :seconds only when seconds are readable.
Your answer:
8:22
